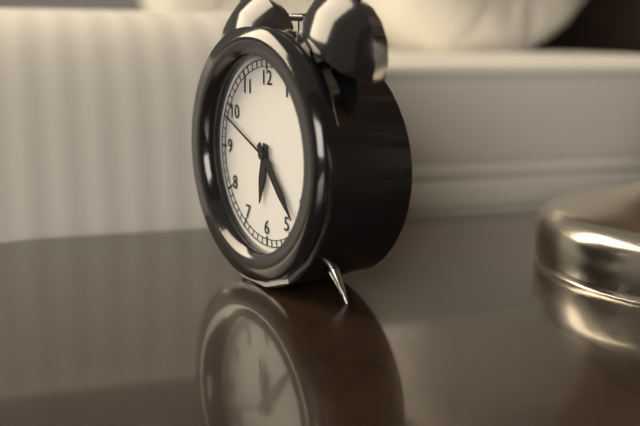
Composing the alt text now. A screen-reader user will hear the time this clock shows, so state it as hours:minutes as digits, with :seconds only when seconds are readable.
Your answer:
6:23:49
